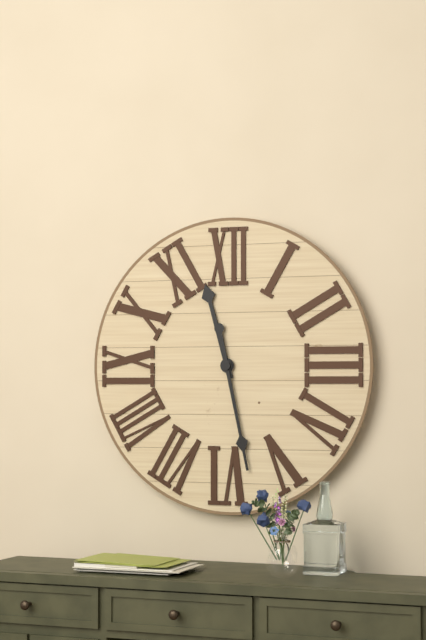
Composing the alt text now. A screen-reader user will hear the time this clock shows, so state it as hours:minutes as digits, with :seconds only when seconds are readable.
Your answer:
11:28
